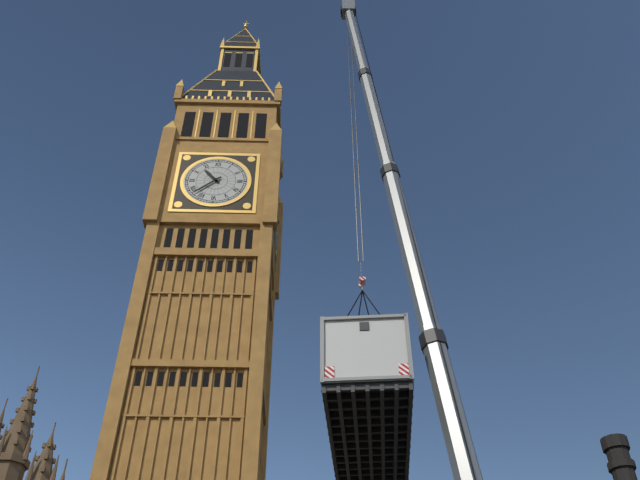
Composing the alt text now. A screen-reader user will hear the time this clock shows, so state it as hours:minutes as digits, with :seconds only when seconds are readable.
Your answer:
10:38
